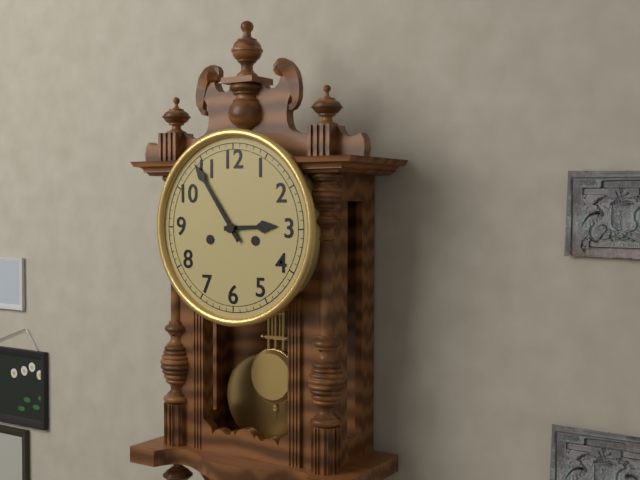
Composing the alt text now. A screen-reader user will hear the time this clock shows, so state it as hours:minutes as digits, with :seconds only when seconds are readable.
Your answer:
2:54
